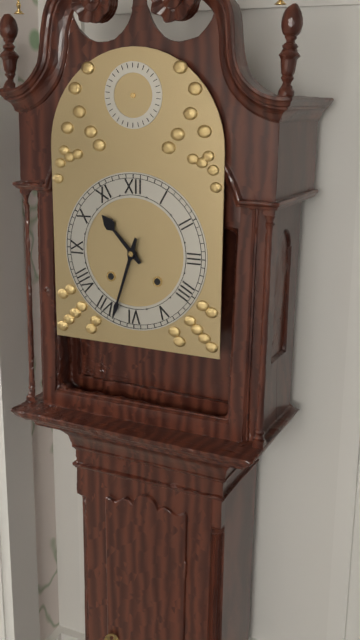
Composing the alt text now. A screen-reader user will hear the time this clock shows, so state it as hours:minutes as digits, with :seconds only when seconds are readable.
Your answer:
10:33
